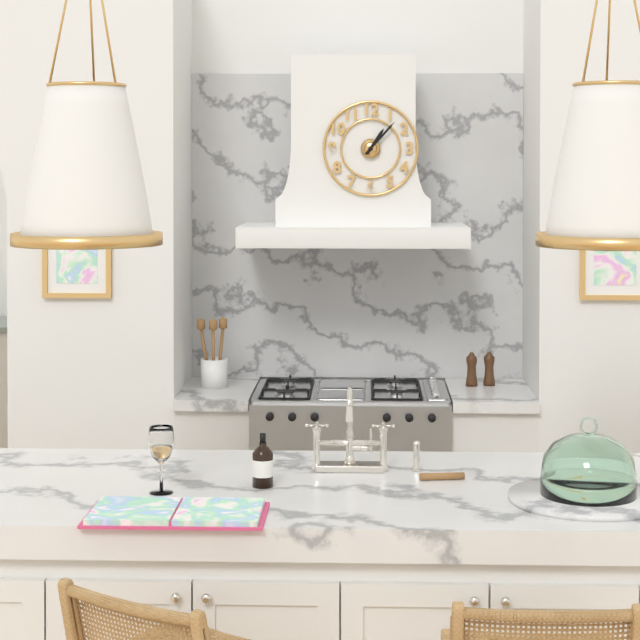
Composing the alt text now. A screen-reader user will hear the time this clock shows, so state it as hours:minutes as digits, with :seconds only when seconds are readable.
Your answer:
1:07
